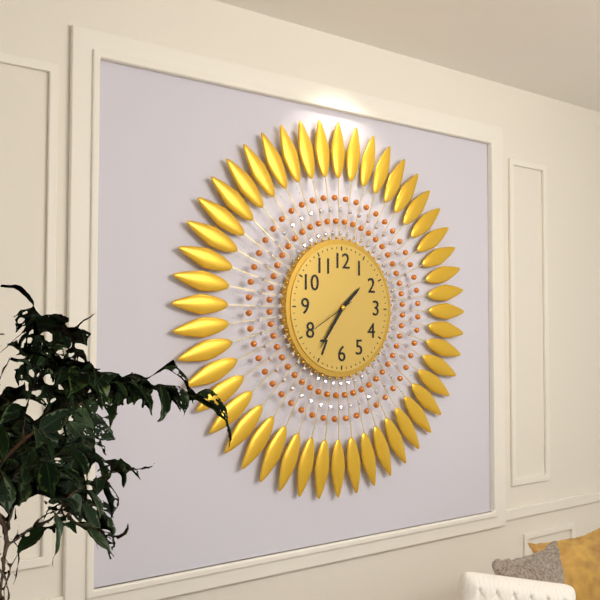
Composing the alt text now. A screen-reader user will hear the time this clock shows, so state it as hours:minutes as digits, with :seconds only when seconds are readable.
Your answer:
1:36:40
